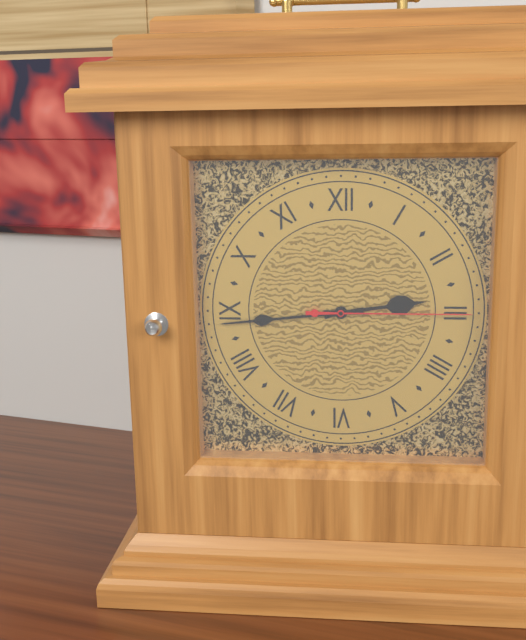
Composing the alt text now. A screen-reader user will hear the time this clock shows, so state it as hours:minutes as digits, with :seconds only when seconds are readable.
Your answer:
2:44:15
